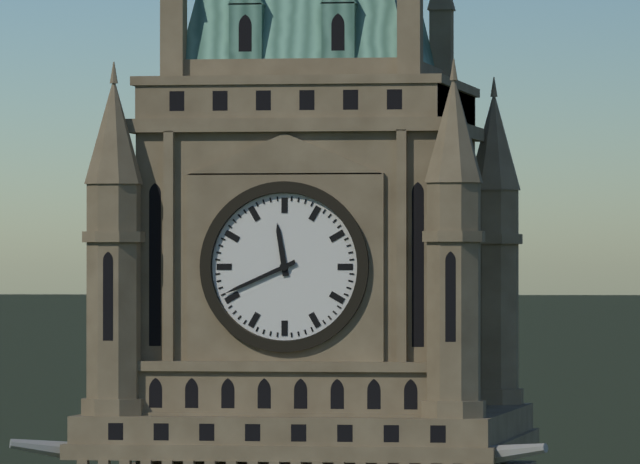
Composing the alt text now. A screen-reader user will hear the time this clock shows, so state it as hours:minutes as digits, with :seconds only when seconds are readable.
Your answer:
11:41
